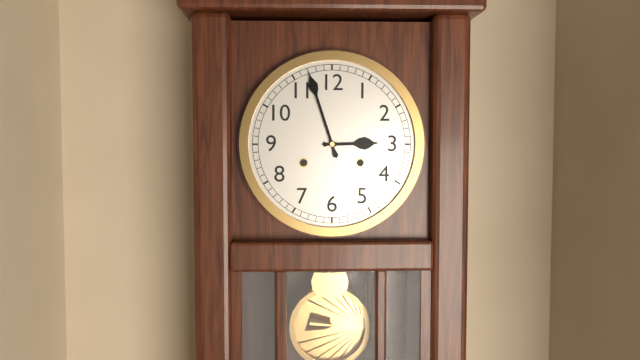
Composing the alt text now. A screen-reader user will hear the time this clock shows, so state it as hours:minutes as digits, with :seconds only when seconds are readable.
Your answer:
2:57
